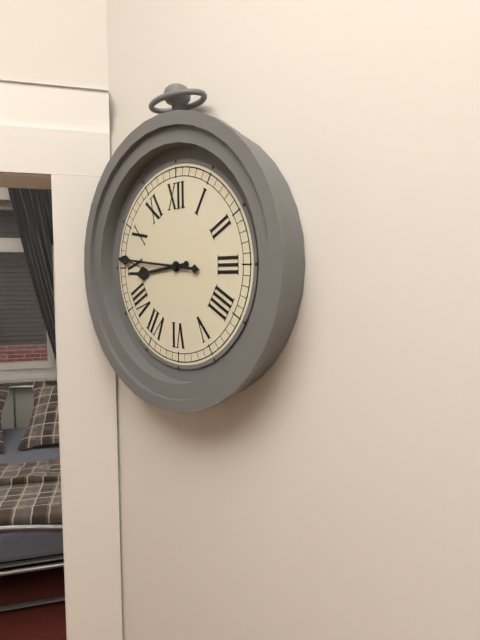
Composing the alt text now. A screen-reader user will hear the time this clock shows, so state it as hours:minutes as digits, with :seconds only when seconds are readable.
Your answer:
8:46
